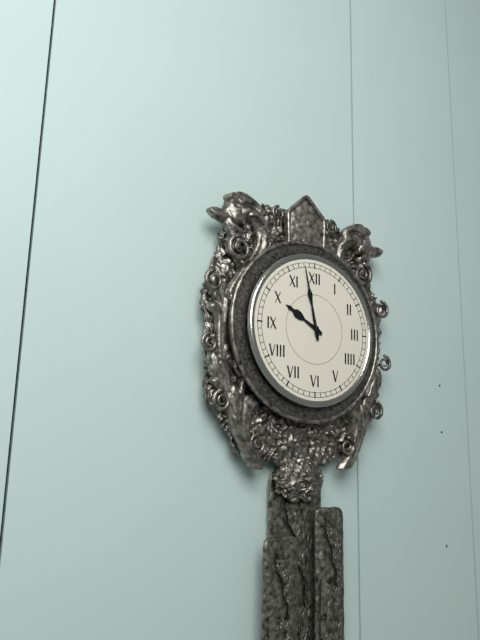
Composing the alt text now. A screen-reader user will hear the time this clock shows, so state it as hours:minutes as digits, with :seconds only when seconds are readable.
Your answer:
9:58
